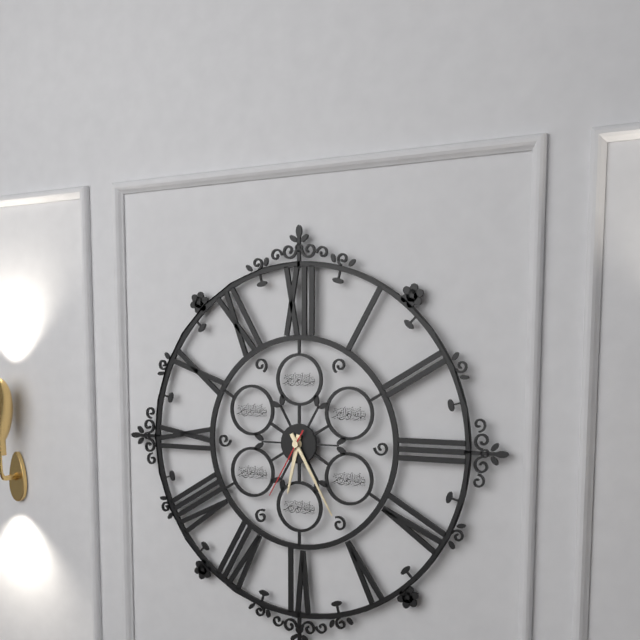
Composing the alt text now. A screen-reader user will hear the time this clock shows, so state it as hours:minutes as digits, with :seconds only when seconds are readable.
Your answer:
6:25:35
